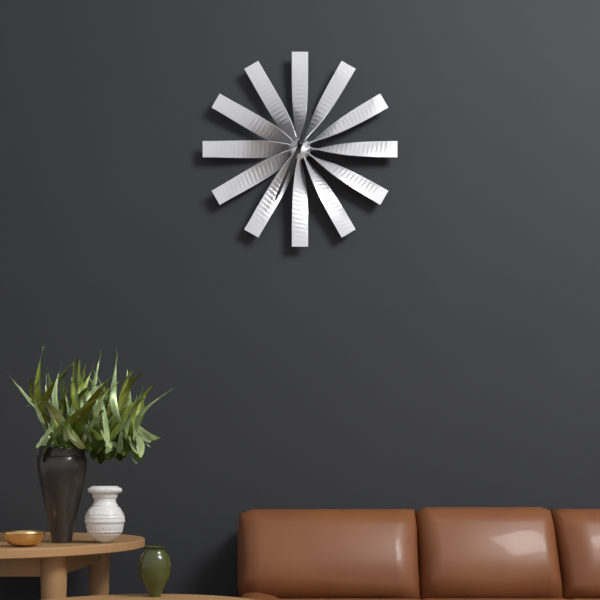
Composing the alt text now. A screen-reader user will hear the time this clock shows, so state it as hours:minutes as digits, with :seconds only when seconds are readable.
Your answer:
12:34:41
